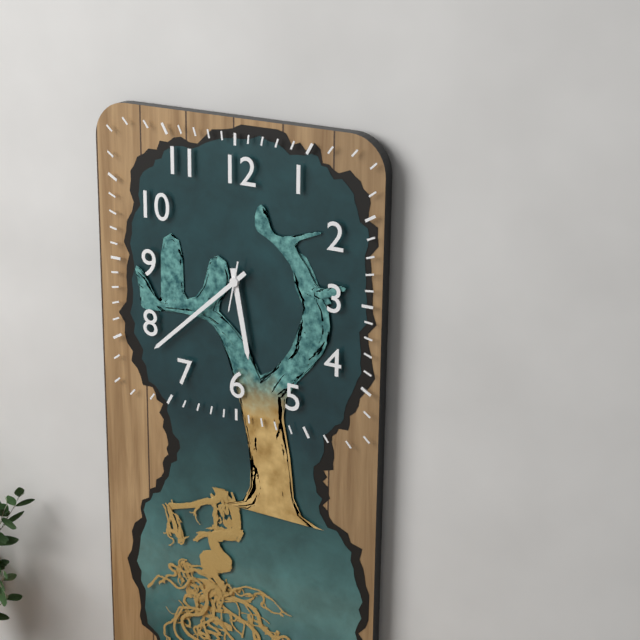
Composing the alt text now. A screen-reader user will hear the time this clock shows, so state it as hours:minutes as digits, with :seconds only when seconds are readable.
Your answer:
5:38:32
